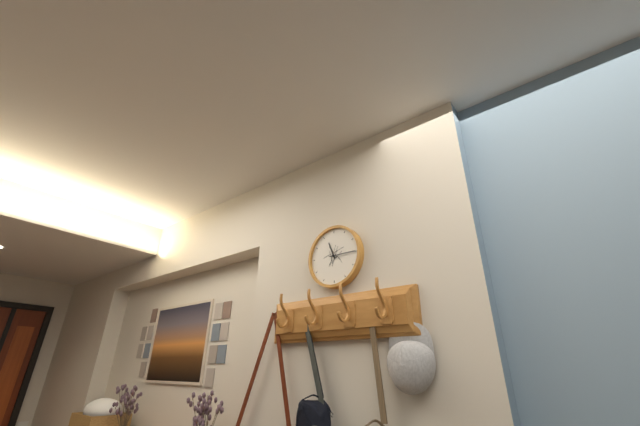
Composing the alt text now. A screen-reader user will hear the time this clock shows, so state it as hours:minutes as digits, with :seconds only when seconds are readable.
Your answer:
11:15
